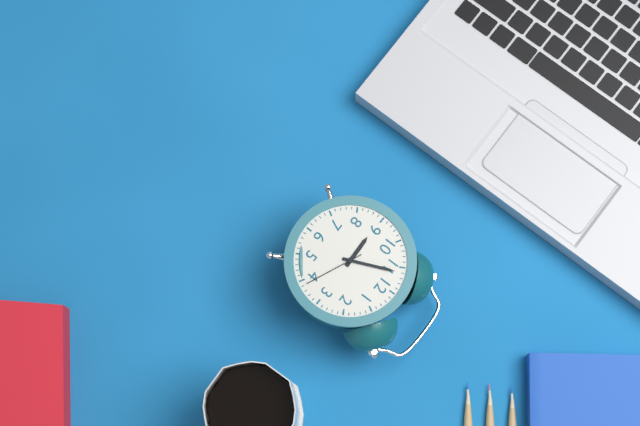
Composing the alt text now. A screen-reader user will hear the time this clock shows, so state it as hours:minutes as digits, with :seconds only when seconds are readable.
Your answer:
8:56:19
